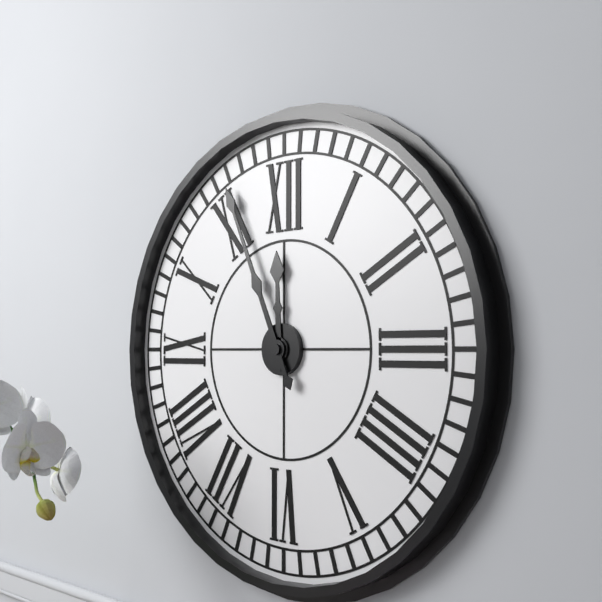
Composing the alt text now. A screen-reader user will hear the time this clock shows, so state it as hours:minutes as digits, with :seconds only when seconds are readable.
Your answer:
11:56
